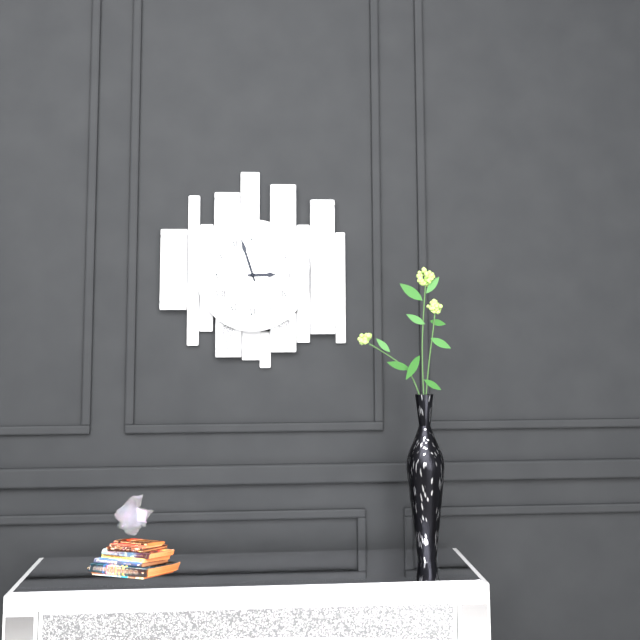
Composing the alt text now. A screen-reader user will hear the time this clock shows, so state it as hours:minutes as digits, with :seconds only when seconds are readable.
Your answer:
2:57
